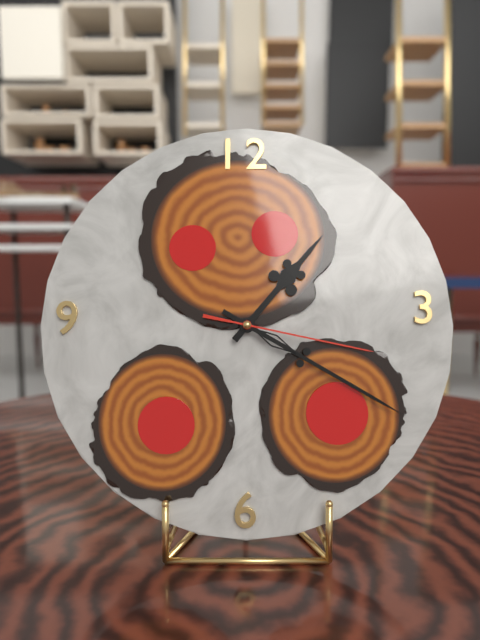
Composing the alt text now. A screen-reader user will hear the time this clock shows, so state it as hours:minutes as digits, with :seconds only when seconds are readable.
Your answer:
1:20:17
